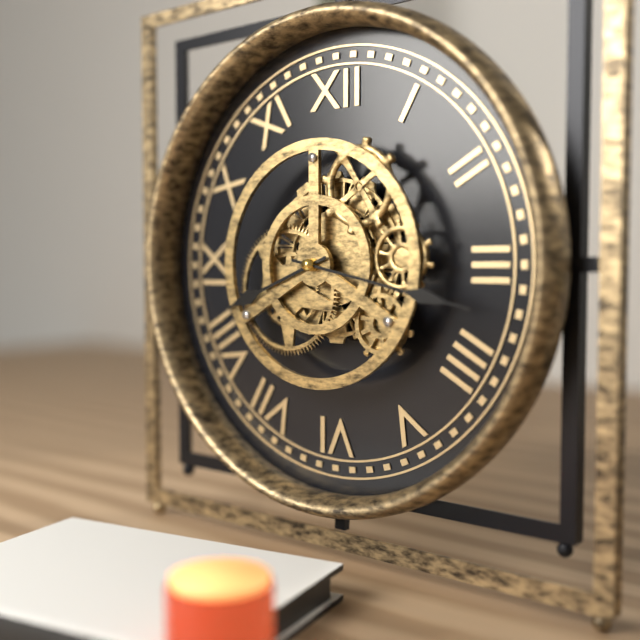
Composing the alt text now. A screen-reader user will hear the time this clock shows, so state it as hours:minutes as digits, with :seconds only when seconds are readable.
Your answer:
8:17
